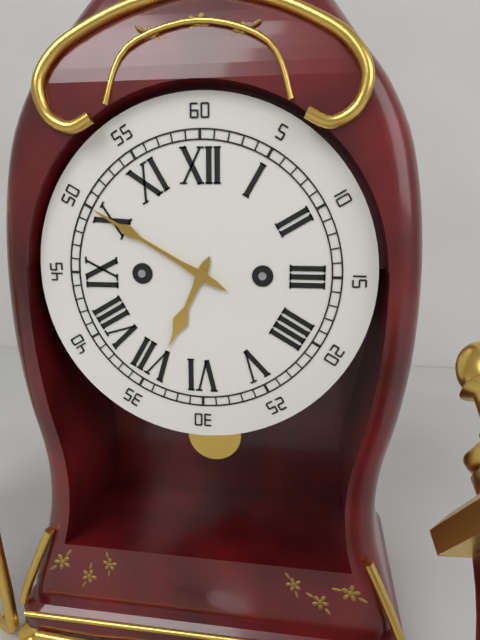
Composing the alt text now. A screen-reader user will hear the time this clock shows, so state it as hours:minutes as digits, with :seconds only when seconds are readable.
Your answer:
6:50
